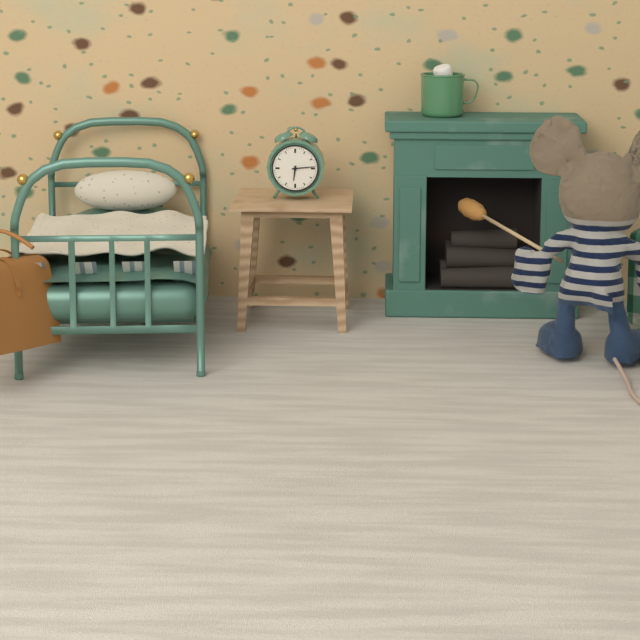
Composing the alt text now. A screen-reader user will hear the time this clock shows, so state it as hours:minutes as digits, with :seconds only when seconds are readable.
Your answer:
6:14
